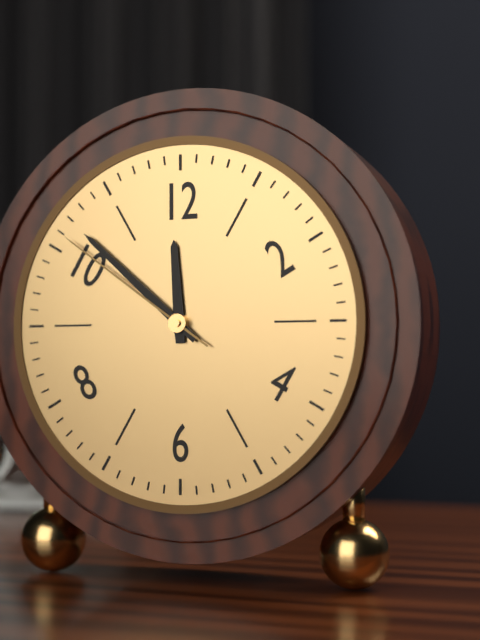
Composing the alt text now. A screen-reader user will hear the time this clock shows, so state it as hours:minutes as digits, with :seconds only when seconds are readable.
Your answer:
11:52:51
